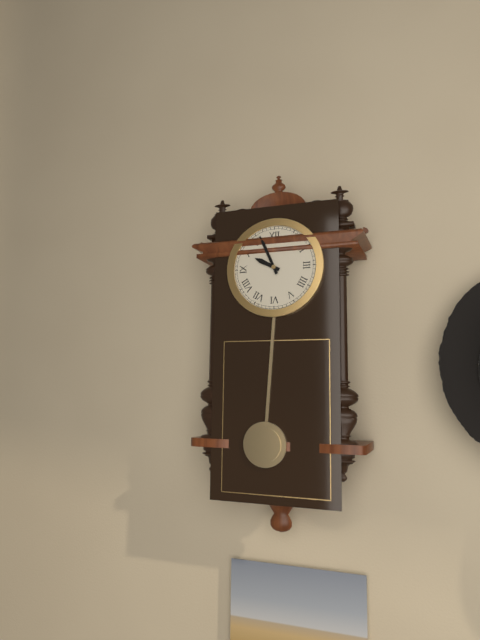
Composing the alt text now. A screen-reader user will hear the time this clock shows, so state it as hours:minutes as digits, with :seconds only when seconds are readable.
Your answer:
9:56
